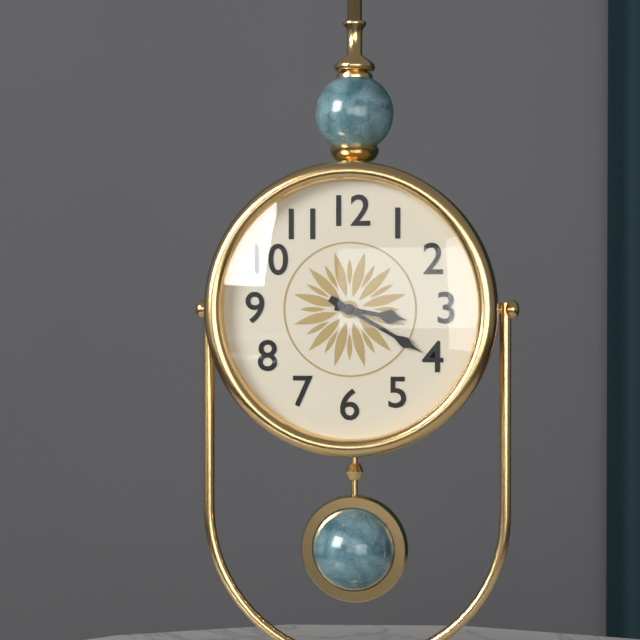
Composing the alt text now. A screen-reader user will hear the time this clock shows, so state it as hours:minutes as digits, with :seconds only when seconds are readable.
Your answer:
3:20
